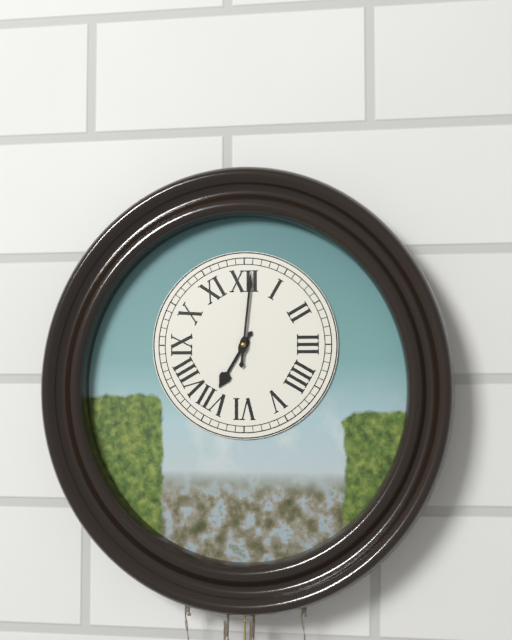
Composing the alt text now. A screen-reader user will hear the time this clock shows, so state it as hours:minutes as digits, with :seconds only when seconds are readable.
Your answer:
7:01
